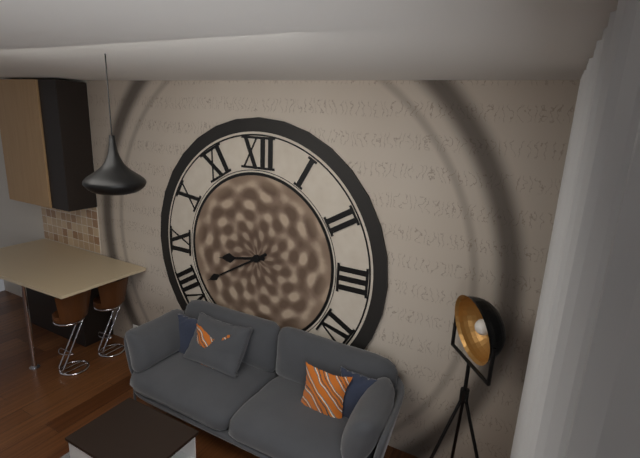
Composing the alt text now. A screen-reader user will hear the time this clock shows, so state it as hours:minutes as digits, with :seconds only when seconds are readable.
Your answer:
8:40
